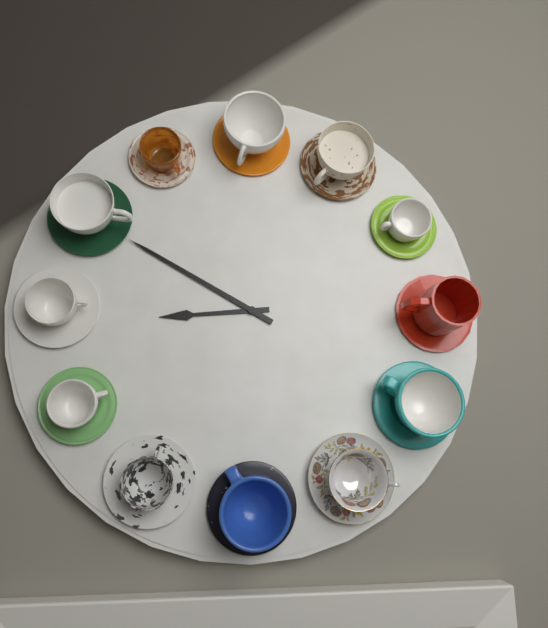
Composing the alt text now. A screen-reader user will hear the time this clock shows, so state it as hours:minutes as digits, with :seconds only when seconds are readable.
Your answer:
8:50
